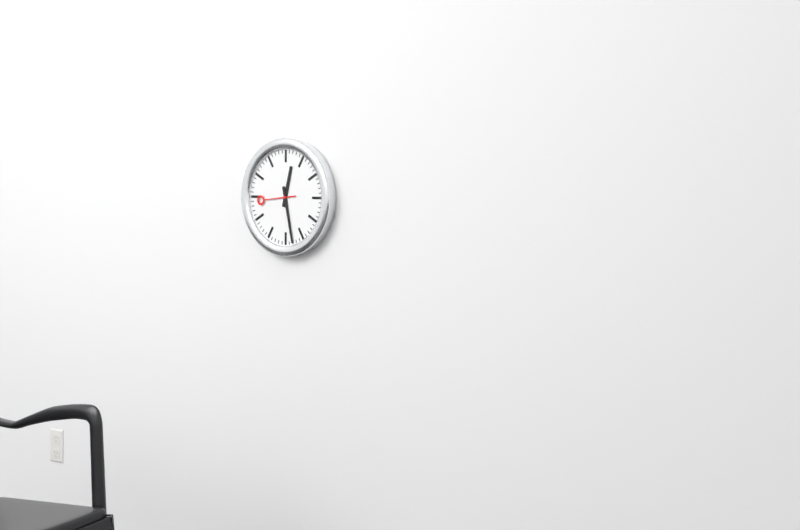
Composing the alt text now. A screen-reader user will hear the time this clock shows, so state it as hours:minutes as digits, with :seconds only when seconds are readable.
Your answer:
12:28
